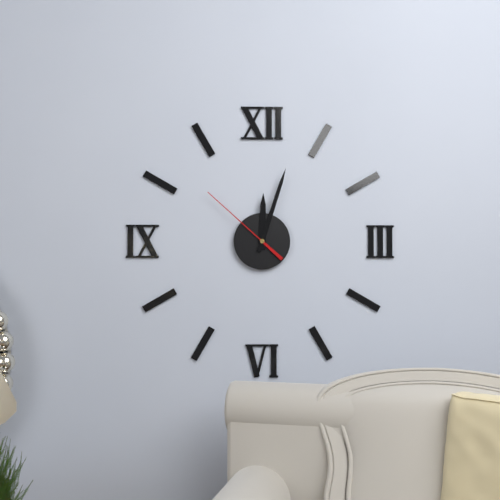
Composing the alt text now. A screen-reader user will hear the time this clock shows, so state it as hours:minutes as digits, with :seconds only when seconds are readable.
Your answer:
12:03:52
